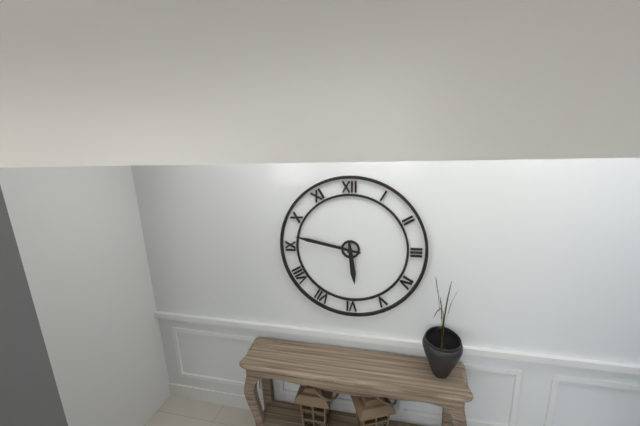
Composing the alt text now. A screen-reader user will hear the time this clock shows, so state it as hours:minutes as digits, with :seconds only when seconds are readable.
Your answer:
5:47
